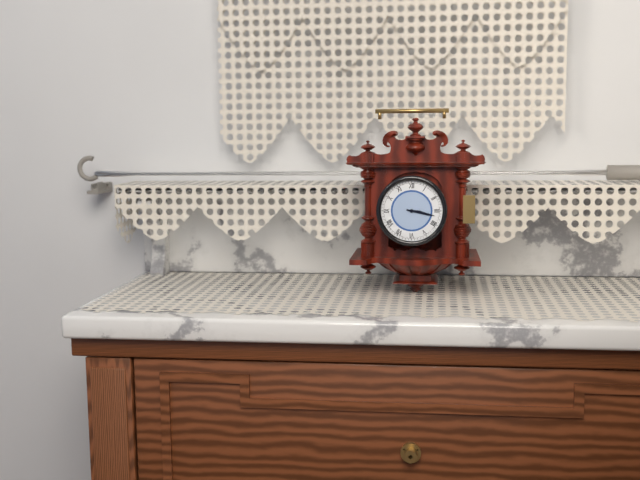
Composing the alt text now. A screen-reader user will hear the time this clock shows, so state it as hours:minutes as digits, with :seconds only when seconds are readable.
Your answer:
3:17
